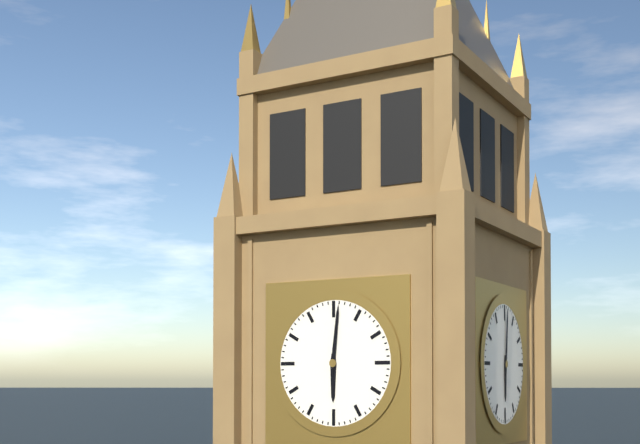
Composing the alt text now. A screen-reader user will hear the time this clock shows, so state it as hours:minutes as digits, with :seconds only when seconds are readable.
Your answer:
6:01
